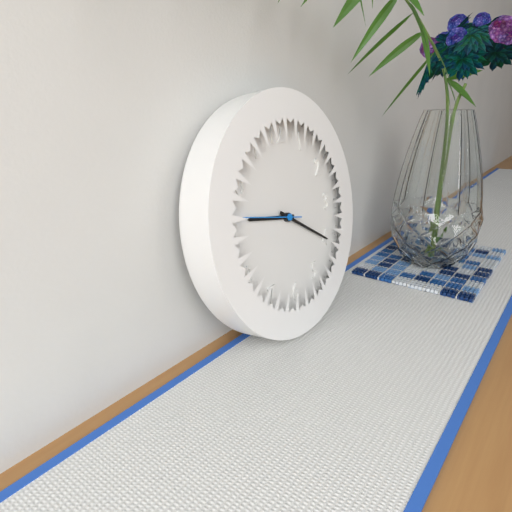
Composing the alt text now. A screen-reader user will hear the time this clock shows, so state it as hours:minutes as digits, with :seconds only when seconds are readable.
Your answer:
9:20:47
